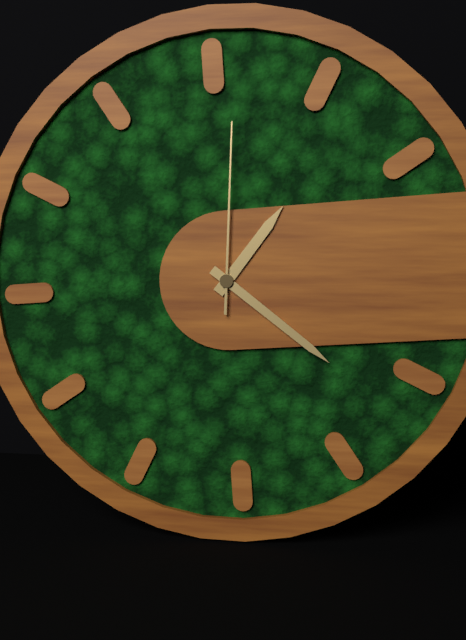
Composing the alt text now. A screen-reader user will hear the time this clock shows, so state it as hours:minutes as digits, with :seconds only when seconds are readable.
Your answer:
1:22:01
